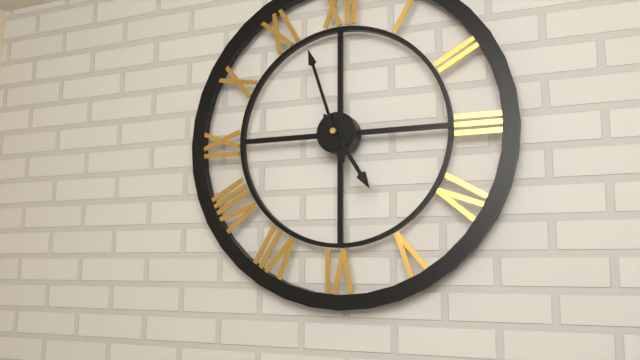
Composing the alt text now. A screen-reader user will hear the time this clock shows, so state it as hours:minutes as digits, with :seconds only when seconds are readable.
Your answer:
4:57
